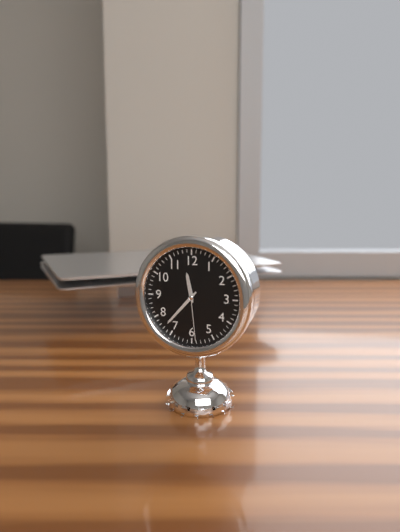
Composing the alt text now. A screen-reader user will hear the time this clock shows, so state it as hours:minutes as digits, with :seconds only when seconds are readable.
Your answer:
11:37:29
